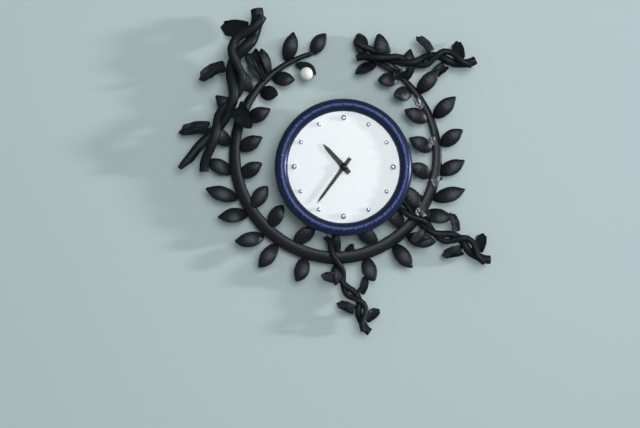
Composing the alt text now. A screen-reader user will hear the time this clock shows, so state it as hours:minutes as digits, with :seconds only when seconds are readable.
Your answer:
10:36
